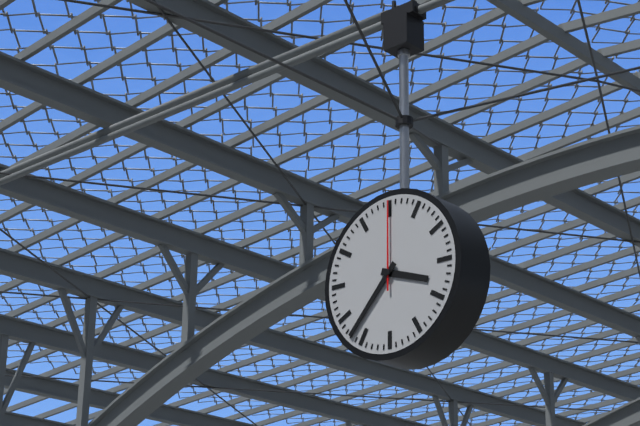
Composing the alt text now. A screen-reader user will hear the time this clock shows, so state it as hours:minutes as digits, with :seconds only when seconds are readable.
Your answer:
3:37:00
